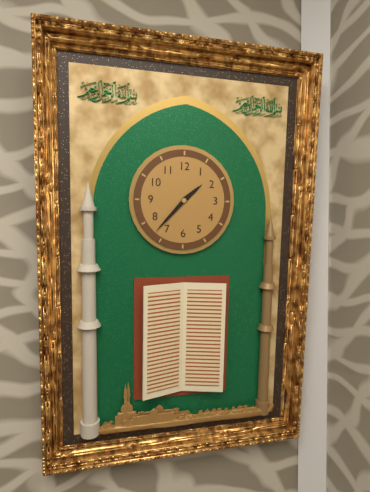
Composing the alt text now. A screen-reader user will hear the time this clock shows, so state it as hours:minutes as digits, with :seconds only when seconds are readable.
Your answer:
1:37
